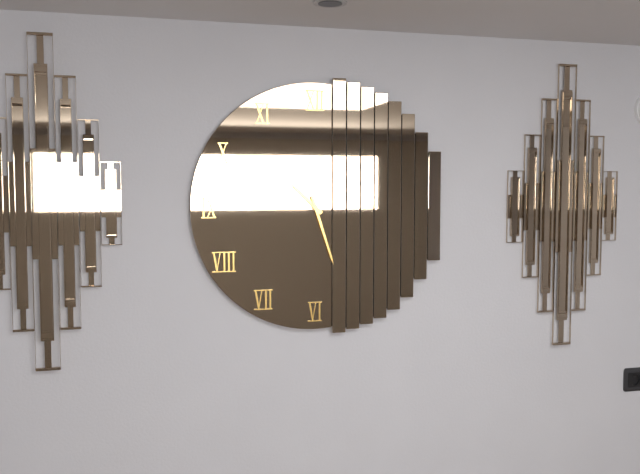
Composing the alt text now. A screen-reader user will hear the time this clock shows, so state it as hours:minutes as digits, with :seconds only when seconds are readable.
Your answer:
10:27
